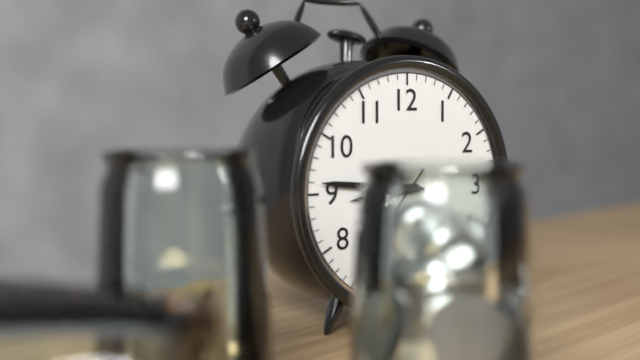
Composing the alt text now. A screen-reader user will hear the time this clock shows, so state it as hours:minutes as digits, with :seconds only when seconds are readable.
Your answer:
8:46:37
